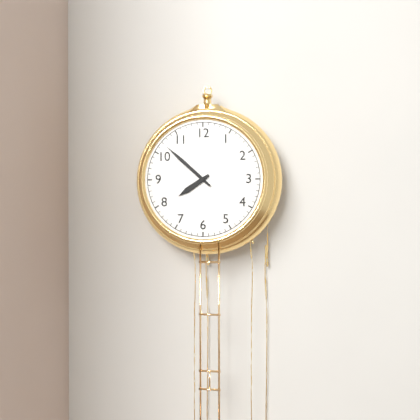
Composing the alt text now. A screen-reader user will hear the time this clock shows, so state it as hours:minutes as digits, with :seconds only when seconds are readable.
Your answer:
7:52
